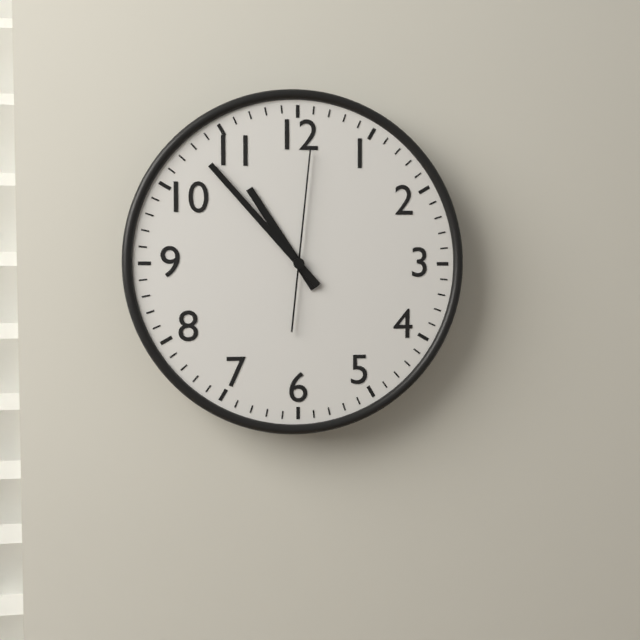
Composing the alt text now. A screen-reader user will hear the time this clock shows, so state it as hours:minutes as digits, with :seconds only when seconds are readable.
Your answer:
10:53:01
